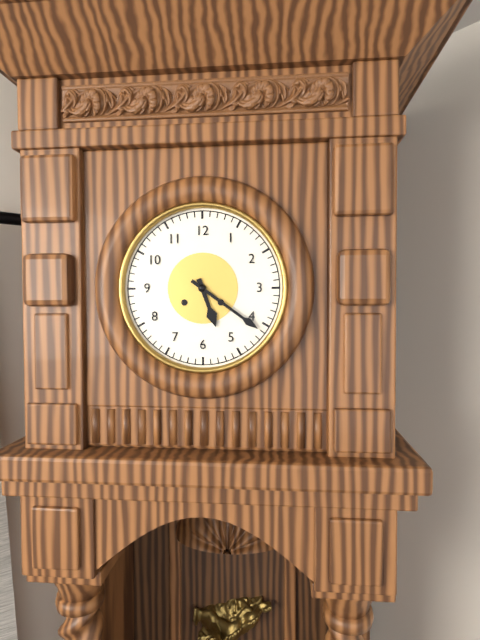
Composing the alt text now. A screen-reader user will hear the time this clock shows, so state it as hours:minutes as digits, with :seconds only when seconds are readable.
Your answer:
5:21
